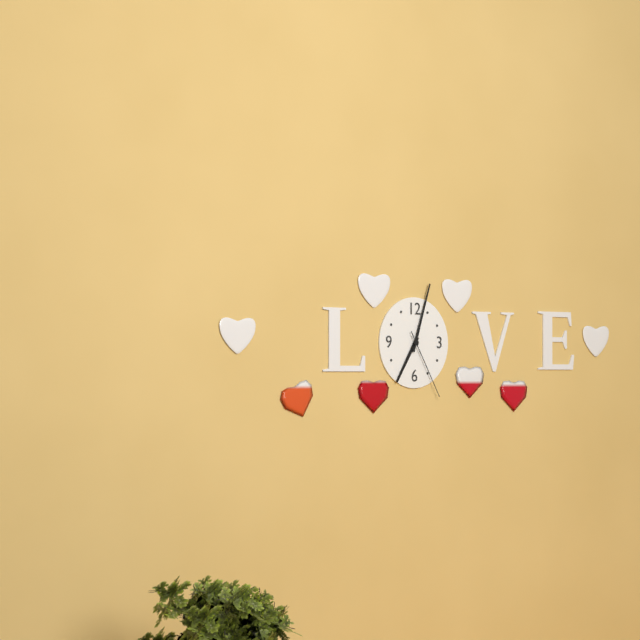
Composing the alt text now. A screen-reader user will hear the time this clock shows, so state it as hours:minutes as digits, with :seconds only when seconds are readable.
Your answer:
7:03:25
